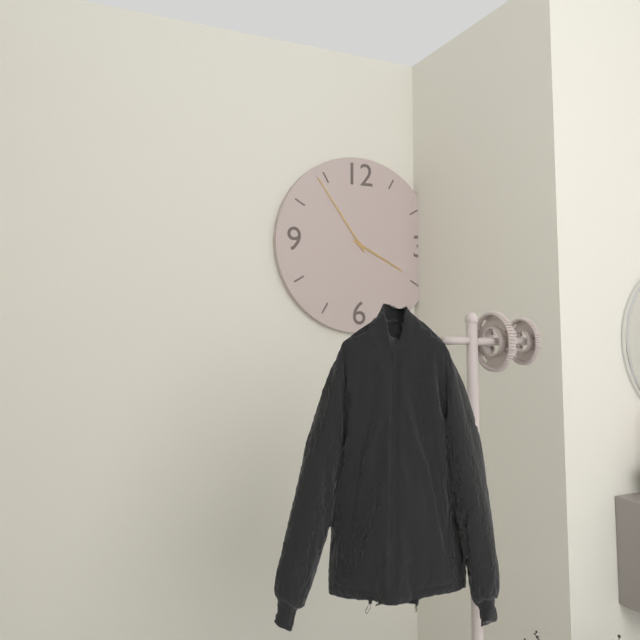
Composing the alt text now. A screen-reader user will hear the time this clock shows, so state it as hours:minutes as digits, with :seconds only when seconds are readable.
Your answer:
3:54
